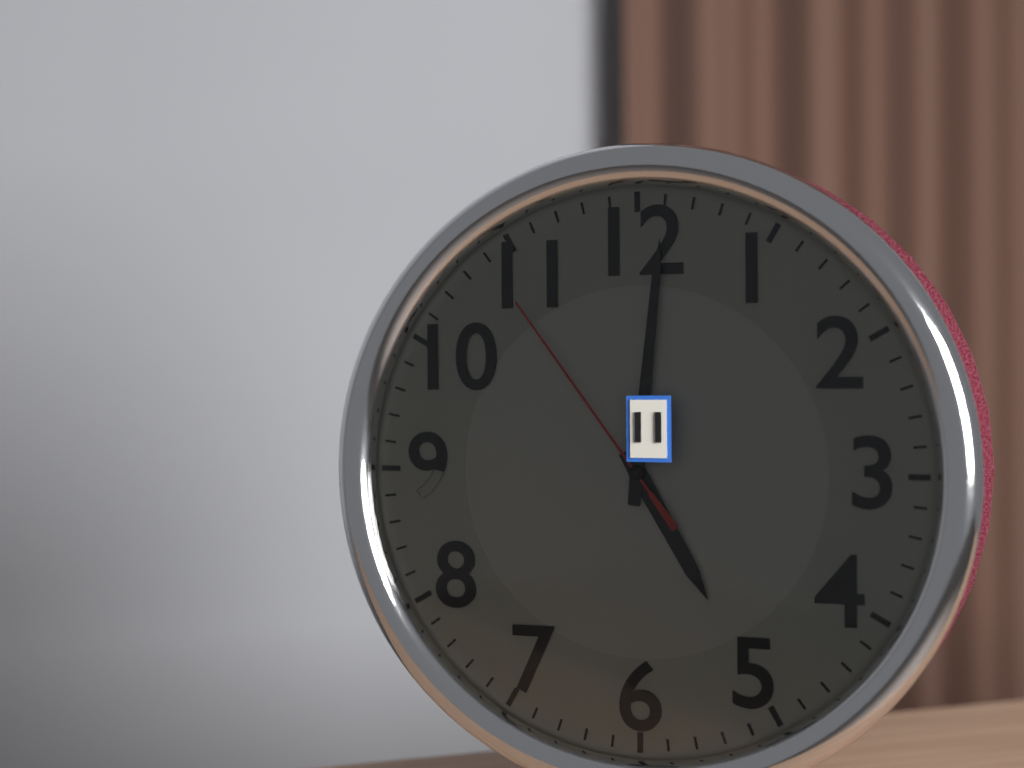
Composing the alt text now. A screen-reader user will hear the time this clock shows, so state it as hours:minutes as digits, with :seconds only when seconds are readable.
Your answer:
5:01:54
